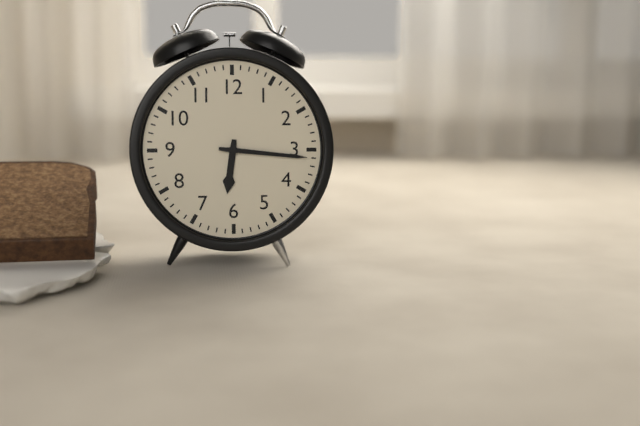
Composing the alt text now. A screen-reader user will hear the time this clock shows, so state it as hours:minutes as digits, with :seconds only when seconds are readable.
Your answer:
6:16
